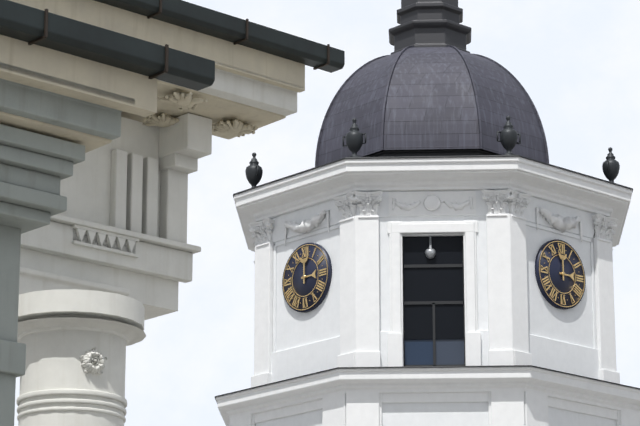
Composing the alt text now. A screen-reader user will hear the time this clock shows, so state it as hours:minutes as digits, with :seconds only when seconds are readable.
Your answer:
3:00
